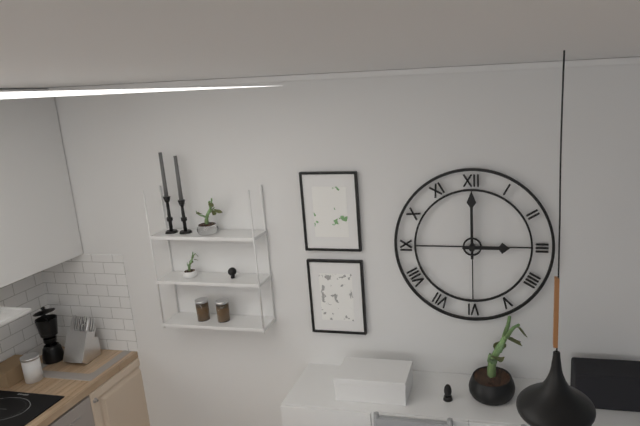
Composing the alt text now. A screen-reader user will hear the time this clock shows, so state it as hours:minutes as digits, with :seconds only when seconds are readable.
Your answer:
3:00
